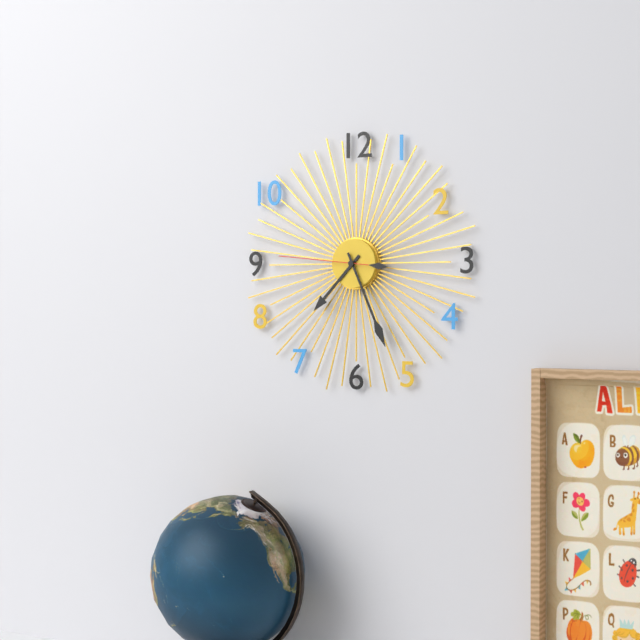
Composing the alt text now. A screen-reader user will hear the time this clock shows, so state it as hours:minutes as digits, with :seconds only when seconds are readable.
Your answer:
7:26:46
